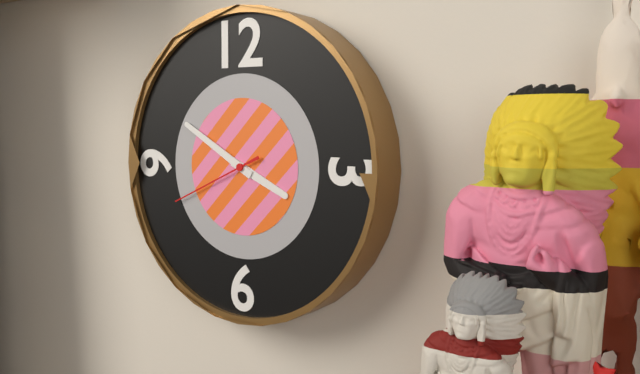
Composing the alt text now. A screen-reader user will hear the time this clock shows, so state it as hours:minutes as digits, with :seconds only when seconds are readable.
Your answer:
3:50:41
